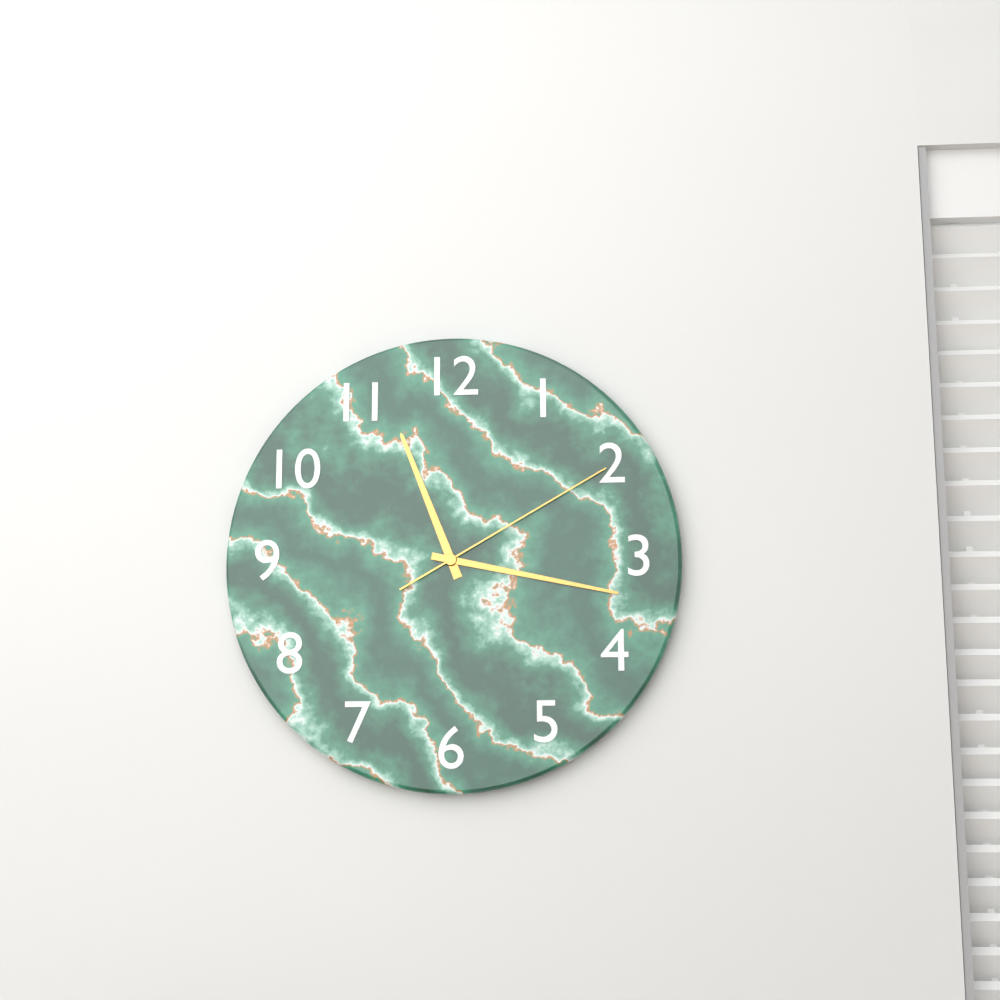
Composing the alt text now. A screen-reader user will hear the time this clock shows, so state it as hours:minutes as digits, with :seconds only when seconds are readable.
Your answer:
11:17:10
